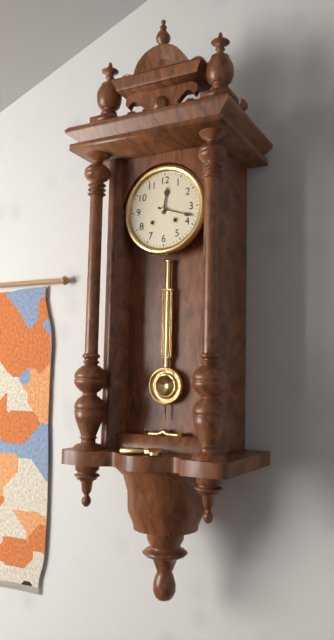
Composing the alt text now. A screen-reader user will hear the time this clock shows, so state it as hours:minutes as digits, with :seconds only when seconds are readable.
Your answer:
12:18
